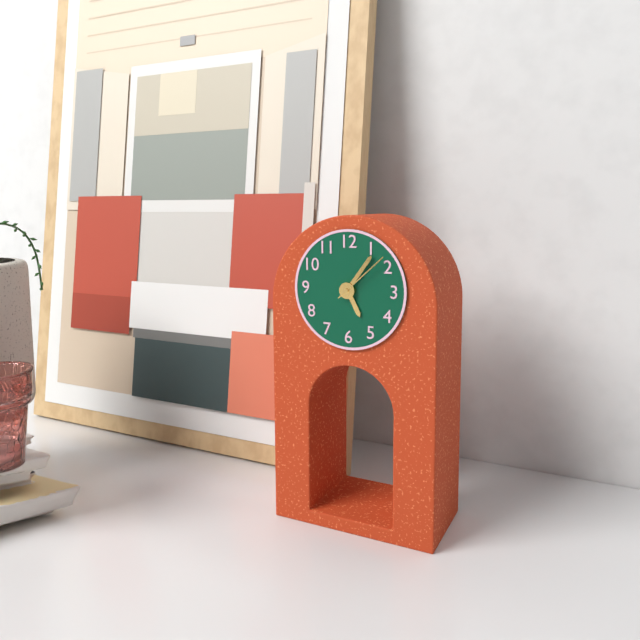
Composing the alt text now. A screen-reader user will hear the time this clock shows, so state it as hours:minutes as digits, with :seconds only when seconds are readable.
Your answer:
5:06:08
